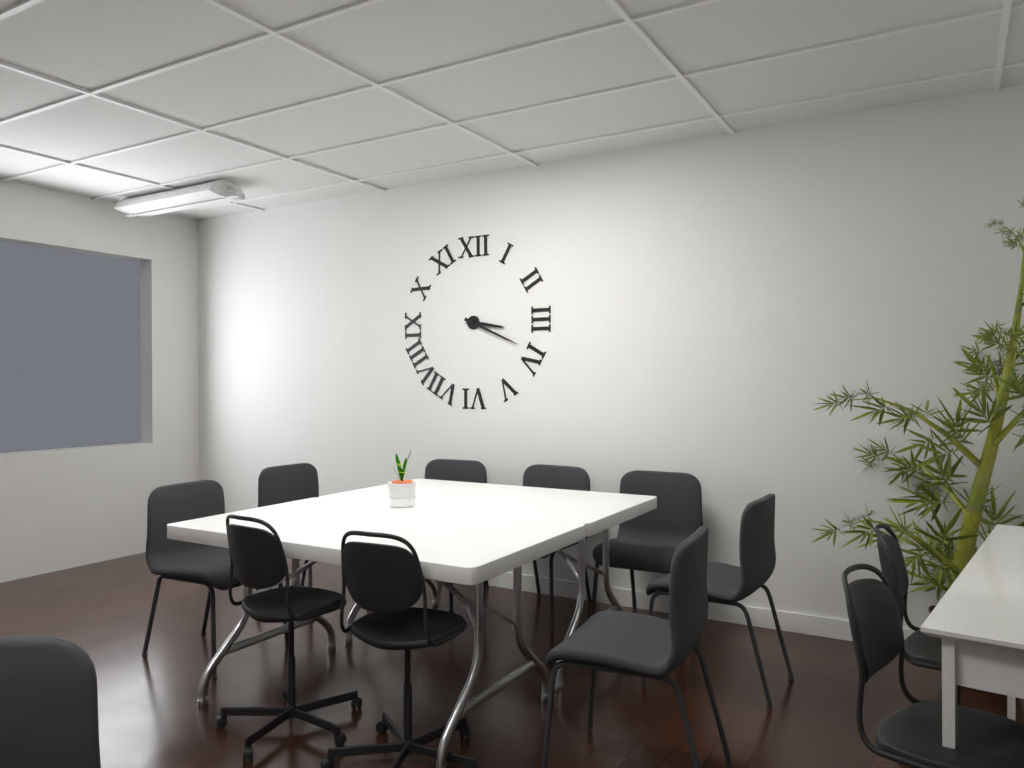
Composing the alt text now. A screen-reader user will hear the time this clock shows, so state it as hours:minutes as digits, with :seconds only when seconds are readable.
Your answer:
3:19
